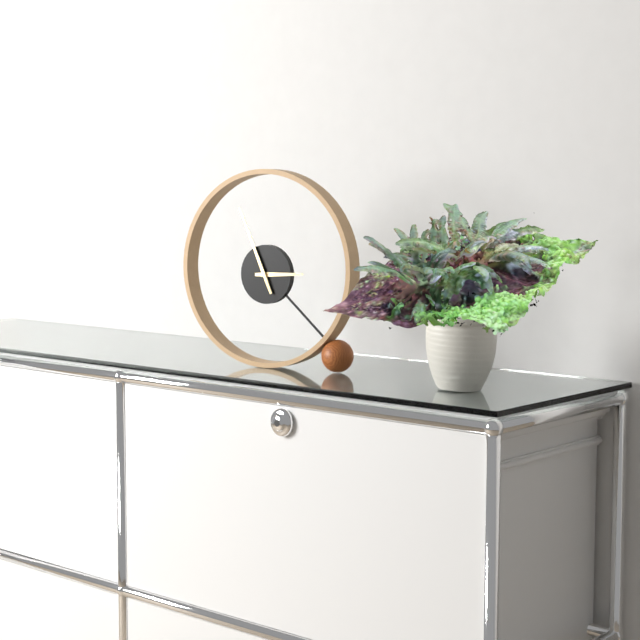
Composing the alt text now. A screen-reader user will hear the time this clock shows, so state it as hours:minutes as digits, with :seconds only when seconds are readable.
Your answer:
2:56
